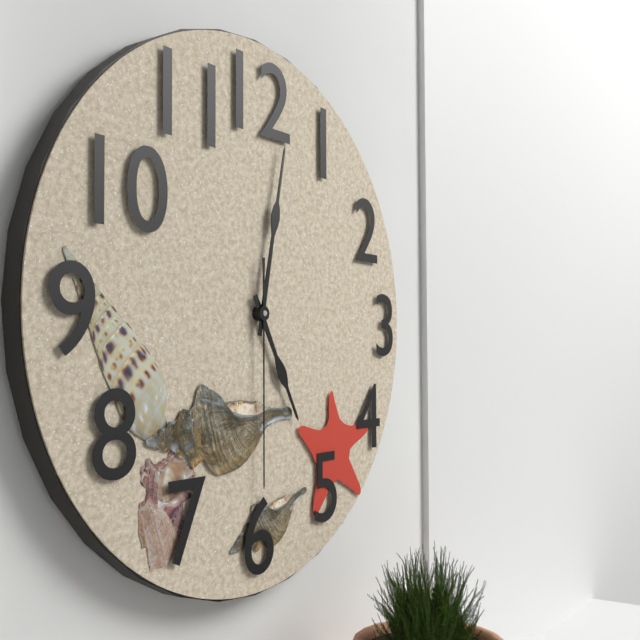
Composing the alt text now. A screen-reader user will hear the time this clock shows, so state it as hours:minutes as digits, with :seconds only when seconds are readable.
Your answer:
5:02:30
